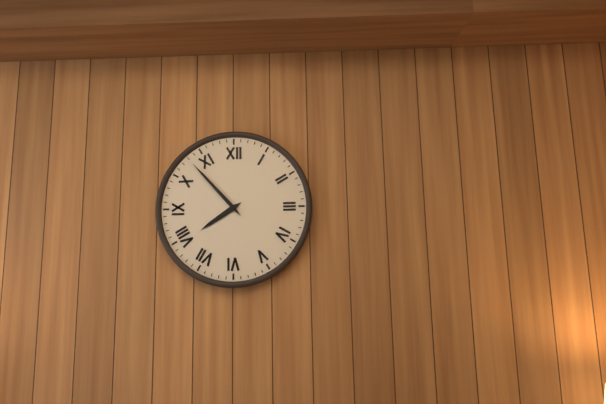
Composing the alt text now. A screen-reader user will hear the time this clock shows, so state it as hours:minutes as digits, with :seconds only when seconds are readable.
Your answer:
7:53
